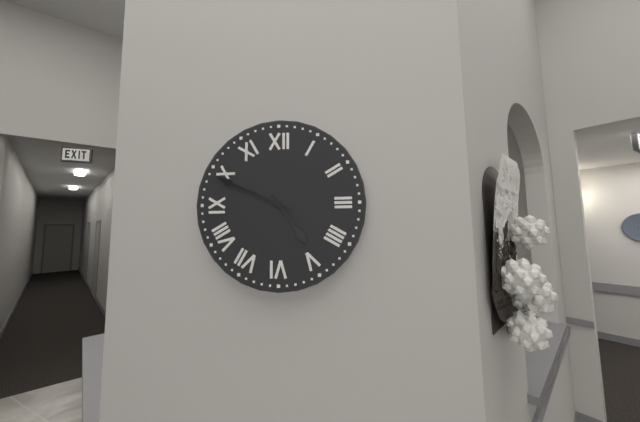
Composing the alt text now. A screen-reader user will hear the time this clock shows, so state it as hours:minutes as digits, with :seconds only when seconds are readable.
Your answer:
4:49
